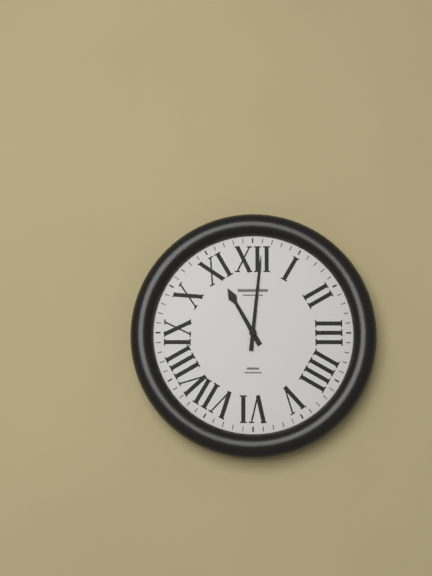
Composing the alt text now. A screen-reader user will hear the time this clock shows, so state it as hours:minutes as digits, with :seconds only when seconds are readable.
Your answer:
11:01
